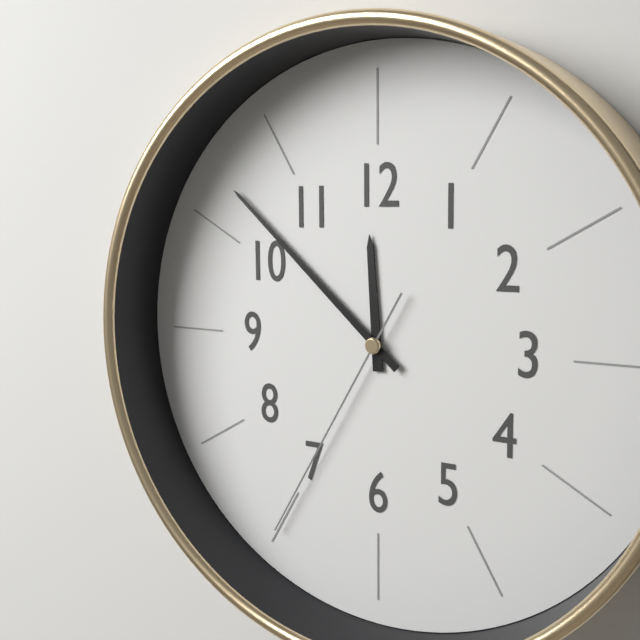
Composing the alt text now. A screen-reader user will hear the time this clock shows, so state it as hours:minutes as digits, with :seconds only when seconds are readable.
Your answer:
11:52:35
